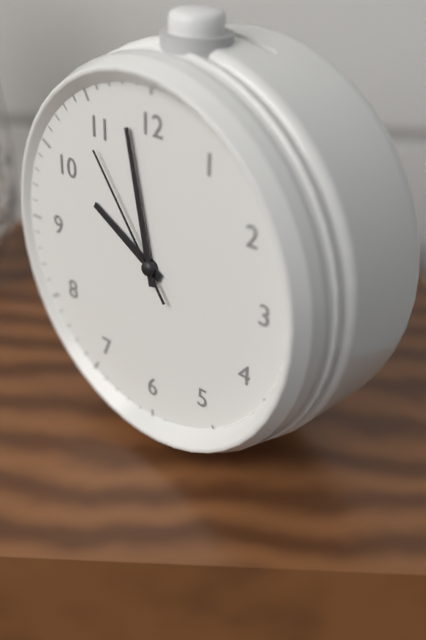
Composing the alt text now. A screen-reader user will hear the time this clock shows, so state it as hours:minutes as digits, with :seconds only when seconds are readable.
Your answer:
9:58:54
